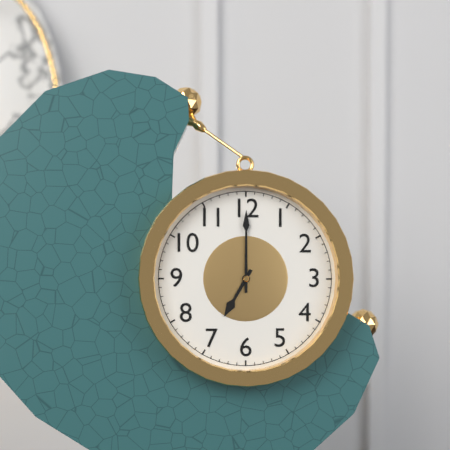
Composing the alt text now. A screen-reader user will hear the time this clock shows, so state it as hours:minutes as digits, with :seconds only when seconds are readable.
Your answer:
7:00
